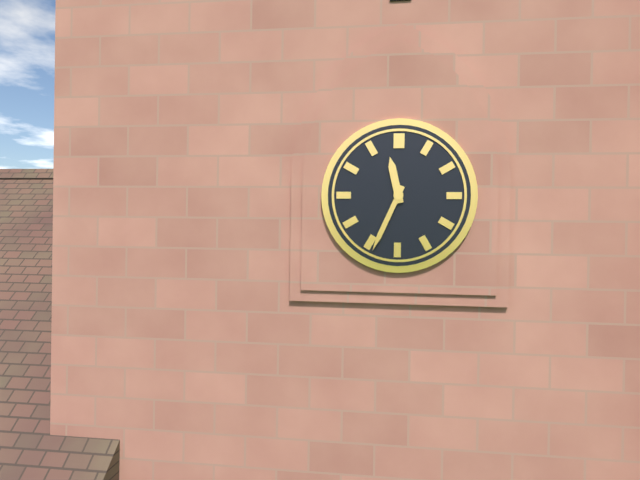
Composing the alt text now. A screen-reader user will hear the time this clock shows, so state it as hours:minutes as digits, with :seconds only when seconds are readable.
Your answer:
11:34
